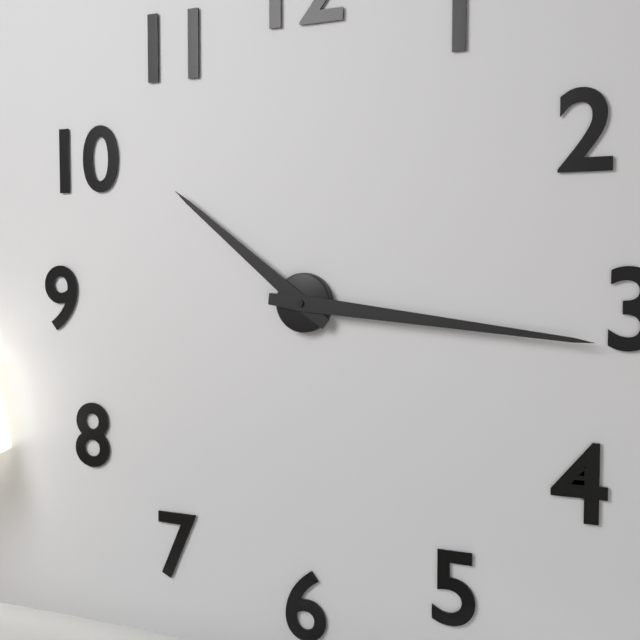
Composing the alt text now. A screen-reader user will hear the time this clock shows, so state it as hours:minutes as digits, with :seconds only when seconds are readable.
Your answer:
10:16
